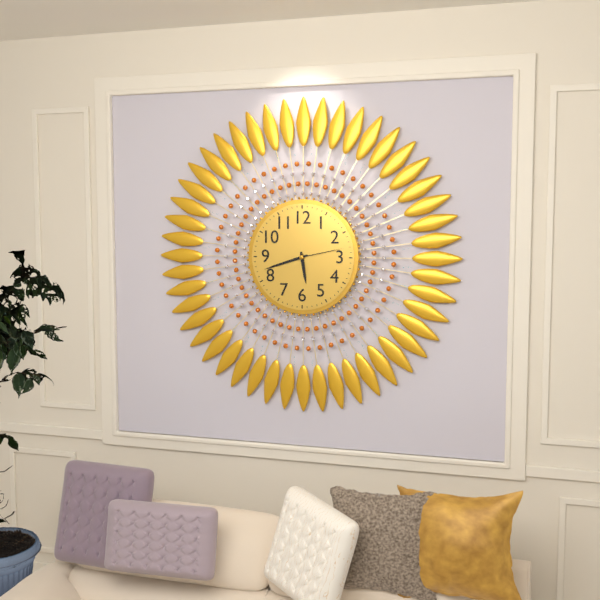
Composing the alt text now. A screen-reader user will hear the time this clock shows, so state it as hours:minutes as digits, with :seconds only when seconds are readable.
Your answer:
5:42:13
